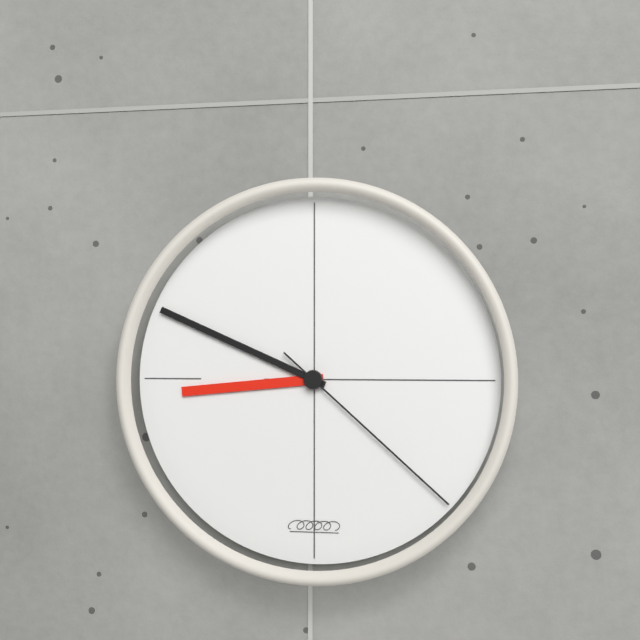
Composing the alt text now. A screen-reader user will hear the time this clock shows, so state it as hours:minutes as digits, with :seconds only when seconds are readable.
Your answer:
8:49:22
